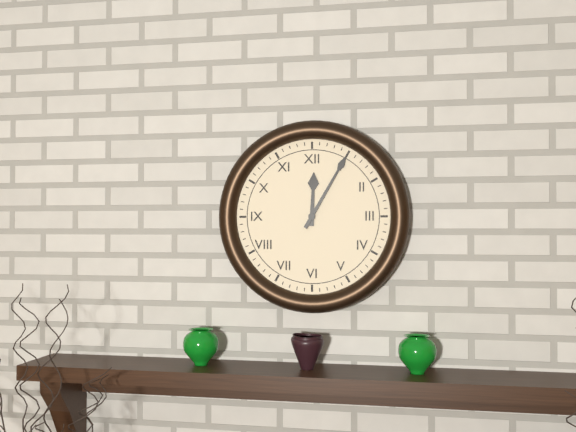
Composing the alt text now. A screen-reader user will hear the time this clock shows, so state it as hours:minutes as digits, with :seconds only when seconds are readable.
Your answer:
12:05
